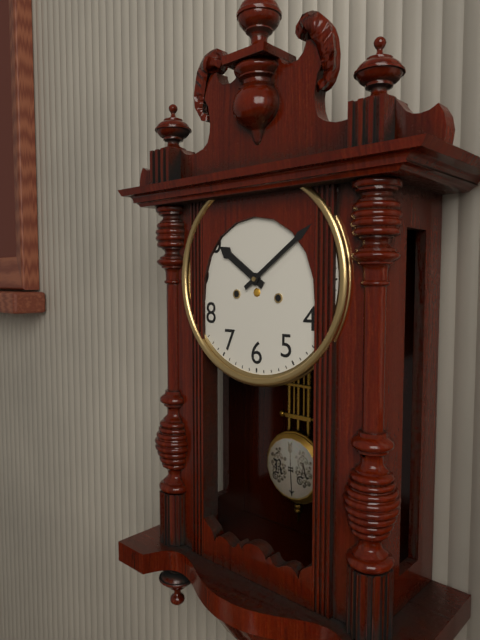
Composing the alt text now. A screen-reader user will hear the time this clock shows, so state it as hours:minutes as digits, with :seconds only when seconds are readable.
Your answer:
10:09
